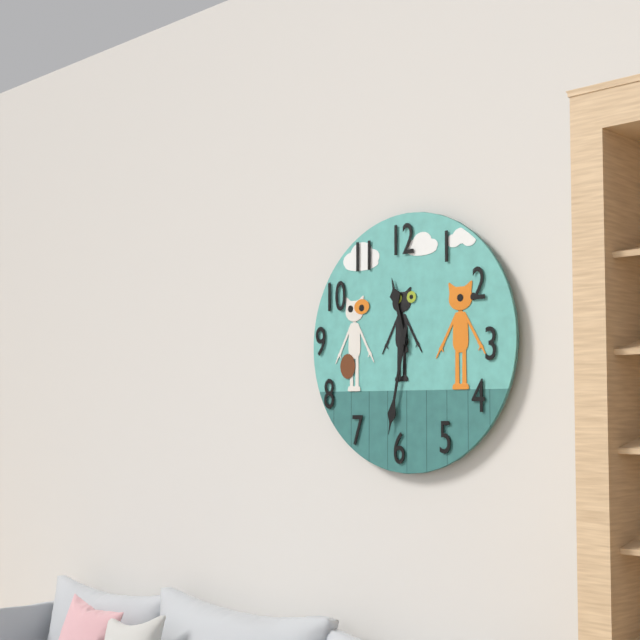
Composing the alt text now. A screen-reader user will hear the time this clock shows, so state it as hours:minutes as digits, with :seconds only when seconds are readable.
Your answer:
11:32
